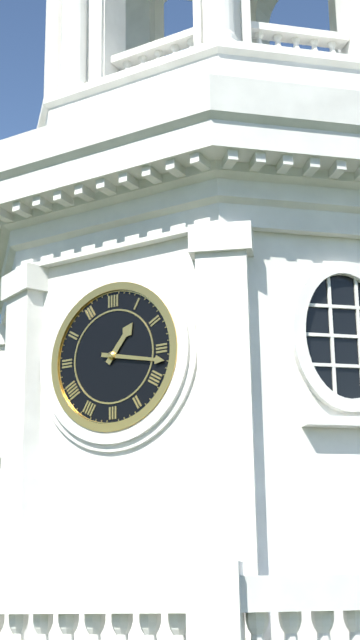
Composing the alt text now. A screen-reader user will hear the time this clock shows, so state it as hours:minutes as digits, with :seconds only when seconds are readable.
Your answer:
1:17
